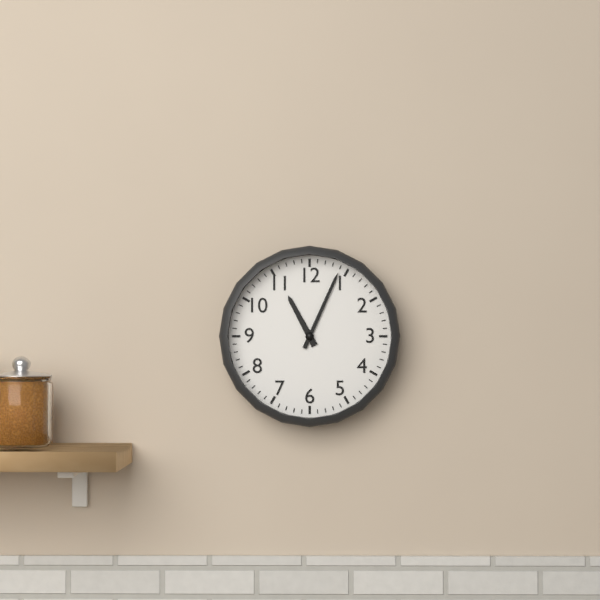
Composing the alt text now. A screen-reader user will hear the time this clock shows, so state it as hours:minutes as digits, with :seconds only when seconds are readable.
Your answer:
11:04
